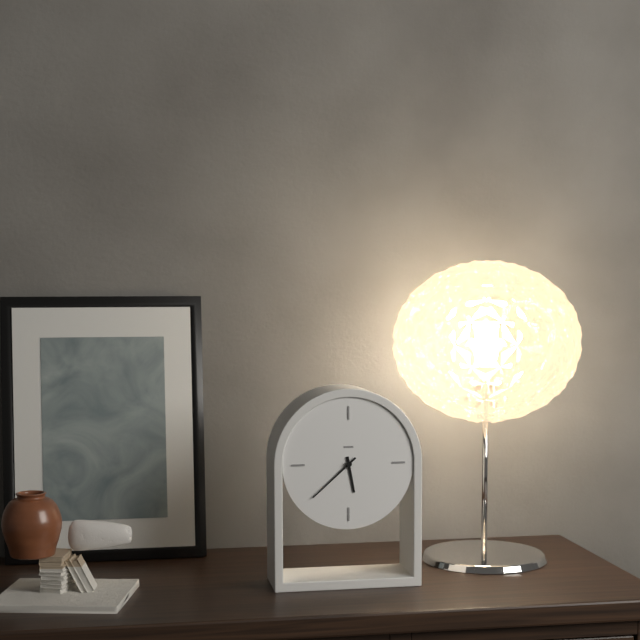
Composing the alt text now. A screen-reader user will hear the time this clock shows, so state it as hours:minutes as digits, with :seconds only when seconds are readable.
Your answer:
5:38
